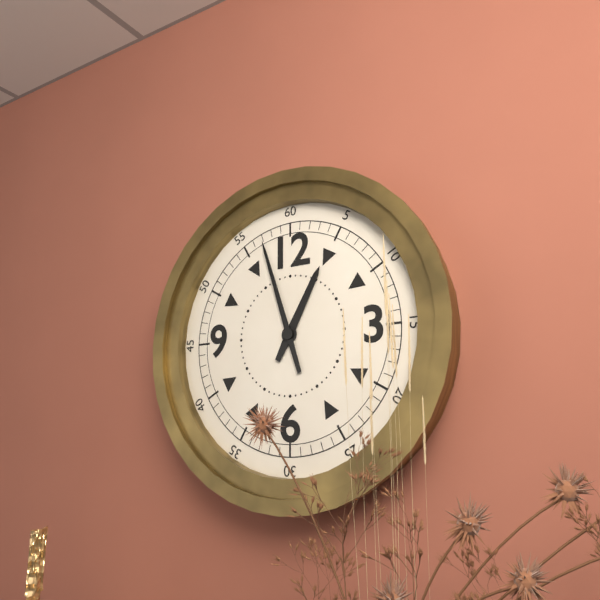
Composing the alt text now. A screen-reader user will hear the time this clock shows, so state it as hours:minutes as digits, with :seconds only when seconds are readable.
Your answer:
12:57
